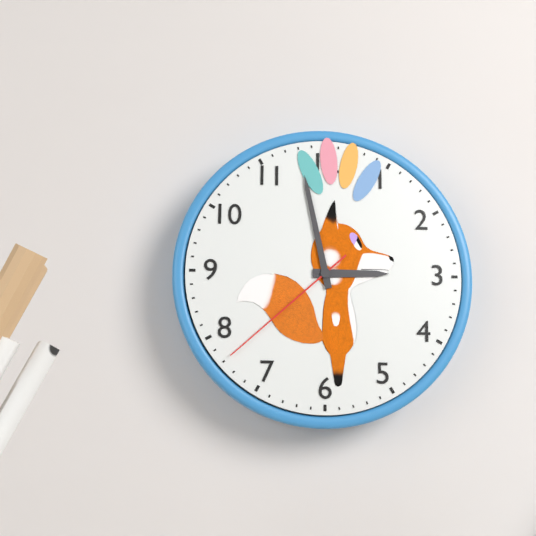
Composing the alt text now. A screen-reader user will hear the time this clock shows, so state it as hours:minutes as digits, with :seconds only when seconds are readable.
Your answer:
2:58:38
